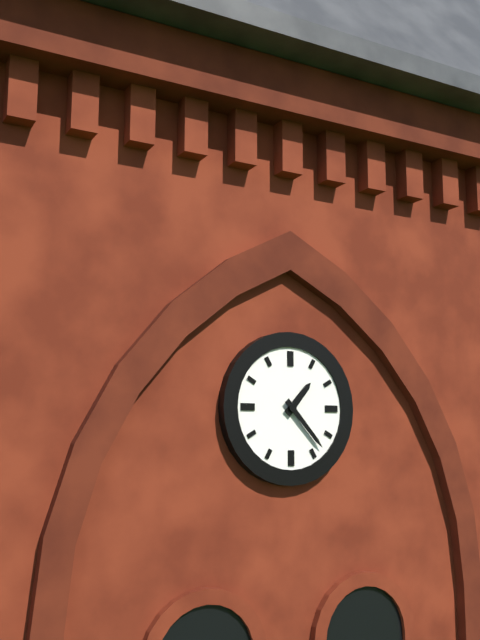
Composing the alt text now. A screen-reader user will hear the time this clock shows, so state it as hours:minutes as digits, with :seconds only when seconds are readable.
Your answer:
1:23
